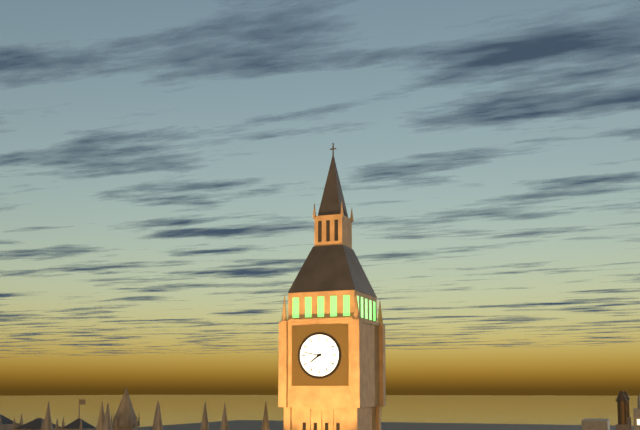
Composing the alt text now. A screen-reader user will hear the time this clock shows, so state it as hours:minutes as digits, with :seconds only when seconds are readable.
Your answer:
7:47
